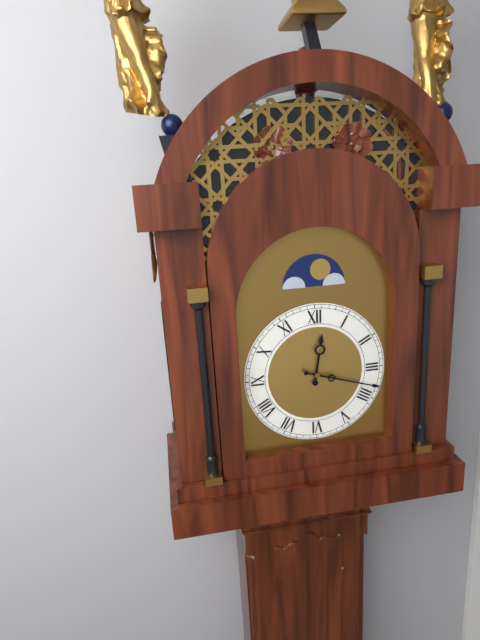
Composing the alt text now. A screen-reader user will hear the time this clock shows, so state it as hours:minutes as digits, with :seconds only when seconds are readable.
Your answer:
12:18
